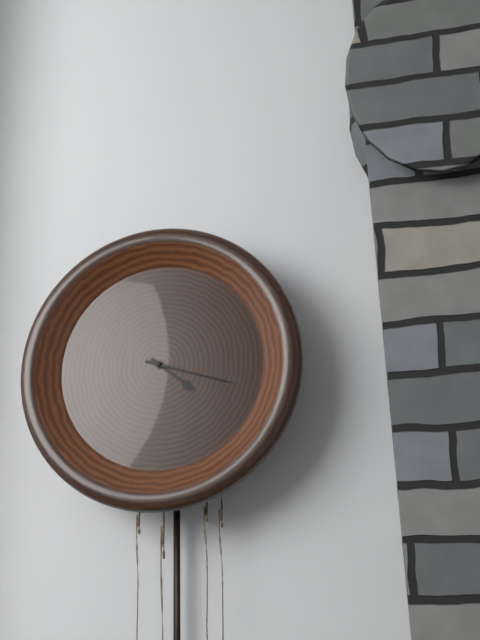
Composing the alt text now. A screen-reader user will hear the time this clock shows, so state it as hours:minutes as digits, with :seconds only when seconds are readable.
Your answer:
4:18
